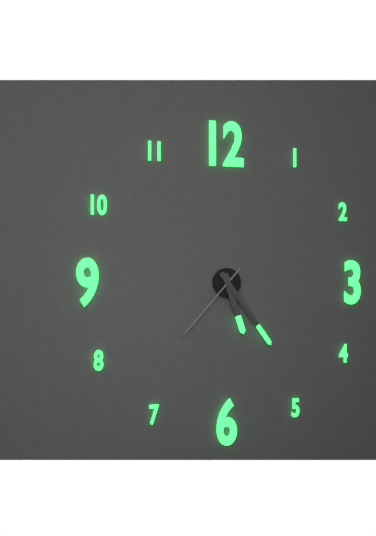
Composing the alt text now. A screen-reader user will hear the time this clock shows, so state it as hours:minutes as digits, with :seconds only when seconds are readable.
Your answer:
5:24:37
